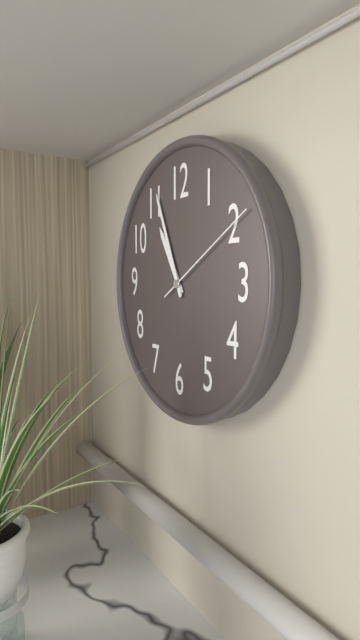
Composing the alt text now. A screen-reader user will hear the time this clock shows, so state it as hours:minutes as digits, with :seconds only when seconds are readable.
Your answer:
10:56:10
